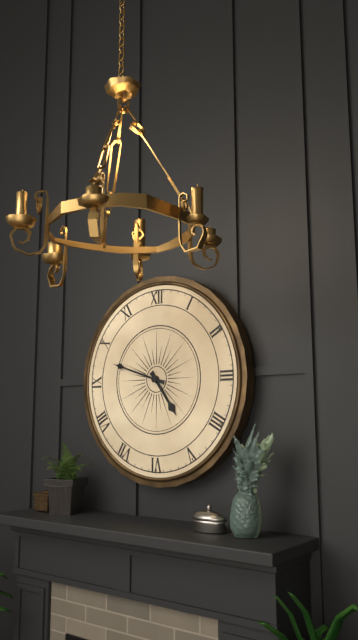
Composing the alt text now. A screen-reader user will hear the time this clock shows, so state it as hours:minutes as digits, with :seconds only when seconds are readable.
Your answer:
4:48
